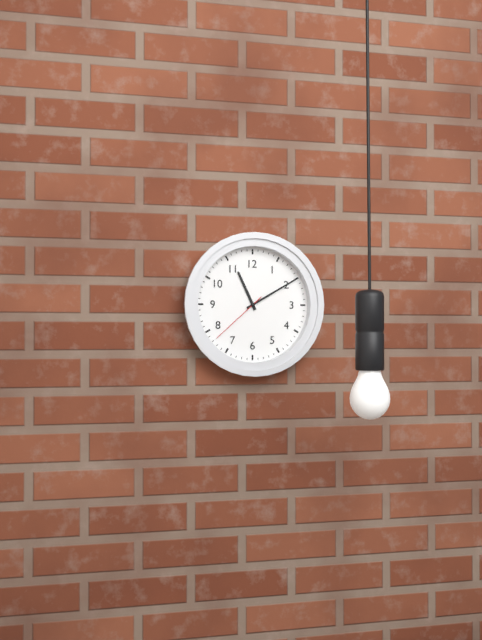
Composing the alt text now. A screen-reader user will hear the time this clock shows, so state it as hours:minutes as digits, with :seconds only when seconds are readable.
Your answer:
11:10:38
